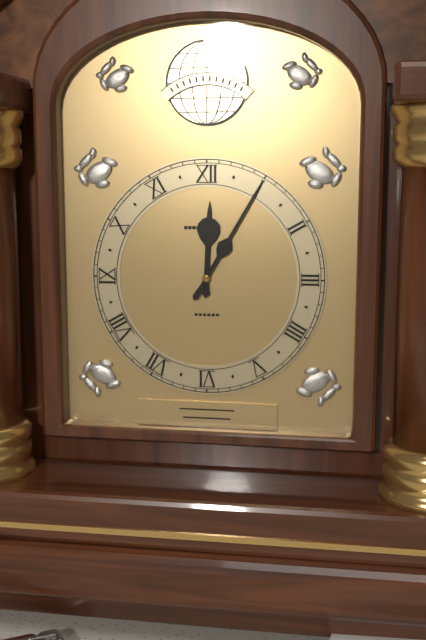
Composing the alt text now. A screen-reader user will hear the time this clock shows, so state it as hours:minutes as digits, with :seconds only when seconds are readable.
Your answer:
12:05
